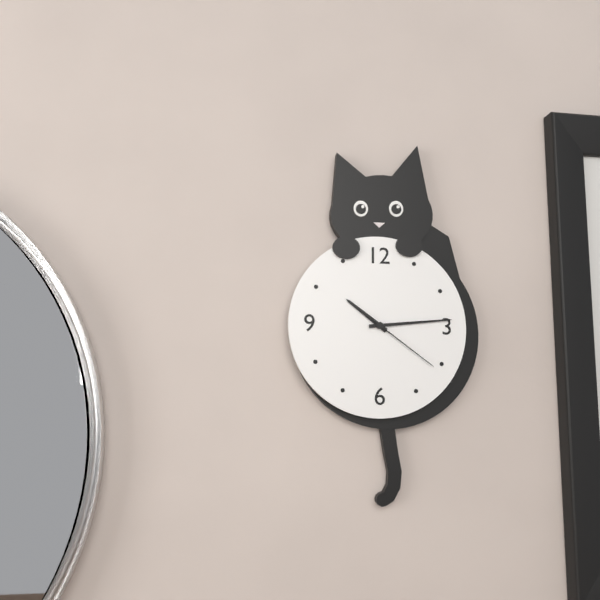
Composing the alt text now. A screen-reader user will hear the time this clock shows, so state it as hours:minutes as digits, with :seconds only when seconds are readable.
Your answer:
10:14:21
